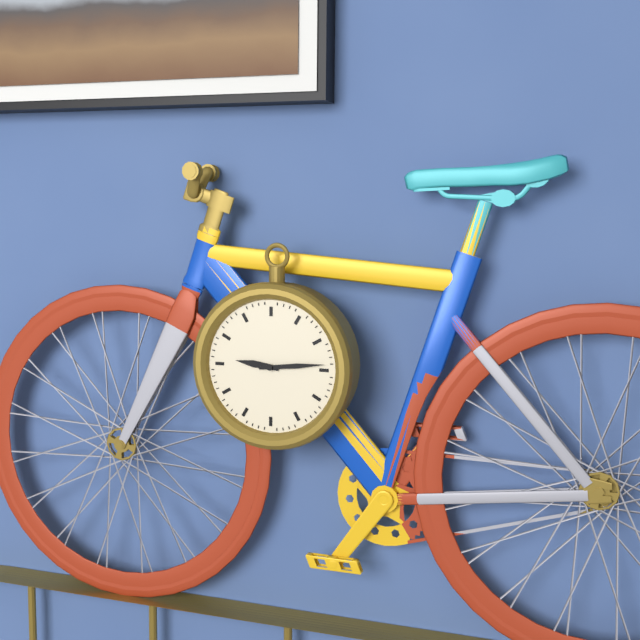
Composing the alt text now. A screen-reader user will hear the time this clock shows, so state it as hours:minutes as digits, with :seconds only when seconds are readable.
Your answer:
9:14
